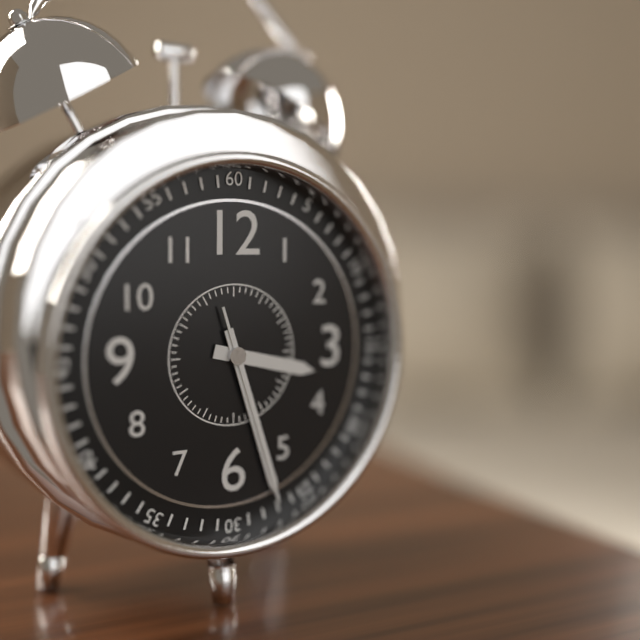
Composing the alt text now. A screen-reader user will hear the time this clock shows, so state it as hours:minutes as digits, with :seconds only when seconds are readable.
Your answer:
3:27:27
